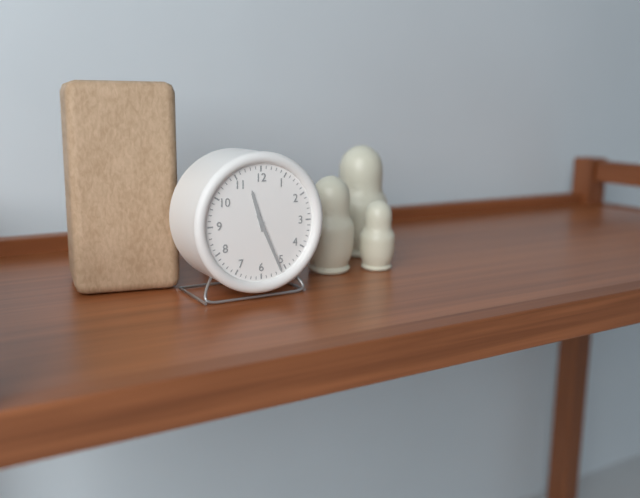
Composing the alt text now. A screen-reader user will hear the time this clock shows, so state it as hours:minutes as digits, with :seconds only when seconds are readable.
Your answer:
11:26
